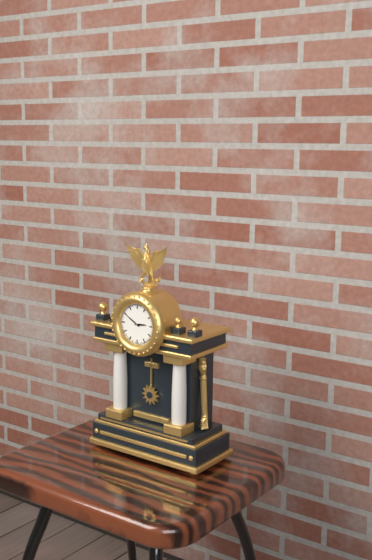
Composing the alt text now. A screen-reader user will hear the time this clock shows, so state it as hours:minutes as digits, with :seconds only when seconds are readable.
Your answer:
2:50
